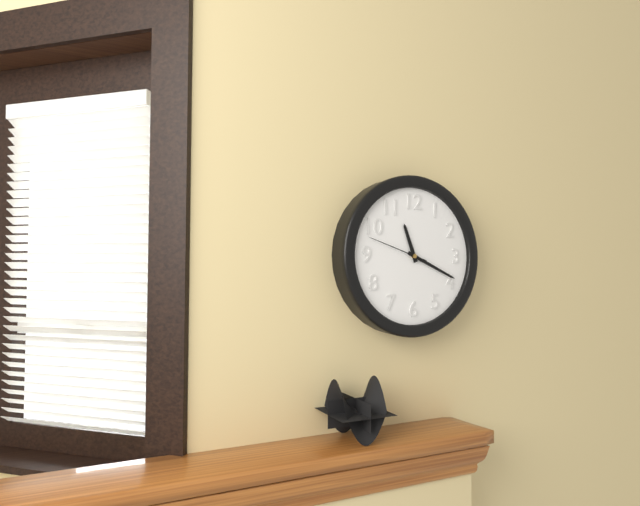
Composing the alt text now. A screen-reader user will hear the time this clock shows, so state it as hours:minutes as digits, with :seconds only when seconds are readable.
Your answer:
11:19
